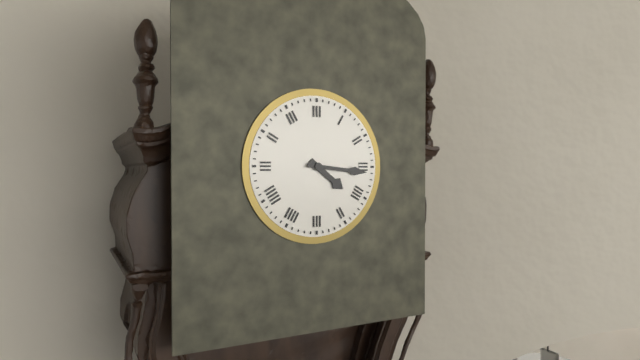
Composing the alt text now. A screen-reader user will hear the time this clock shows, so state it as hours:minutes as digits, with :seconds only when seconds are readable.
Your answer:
4:16
